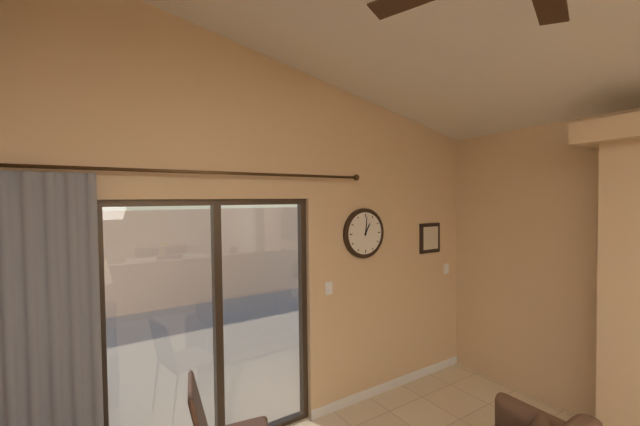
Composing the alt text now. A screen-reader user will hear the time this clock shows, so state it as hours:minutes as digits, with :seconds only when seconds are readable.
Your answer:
1:01
